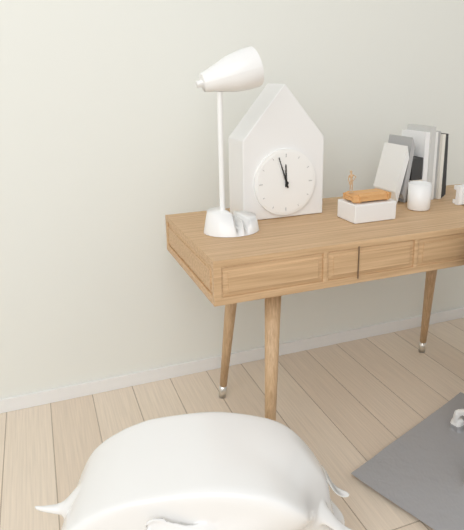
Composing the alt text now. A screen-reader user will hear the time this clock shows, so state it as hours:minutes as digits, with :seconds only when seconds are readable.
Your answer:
11:57
